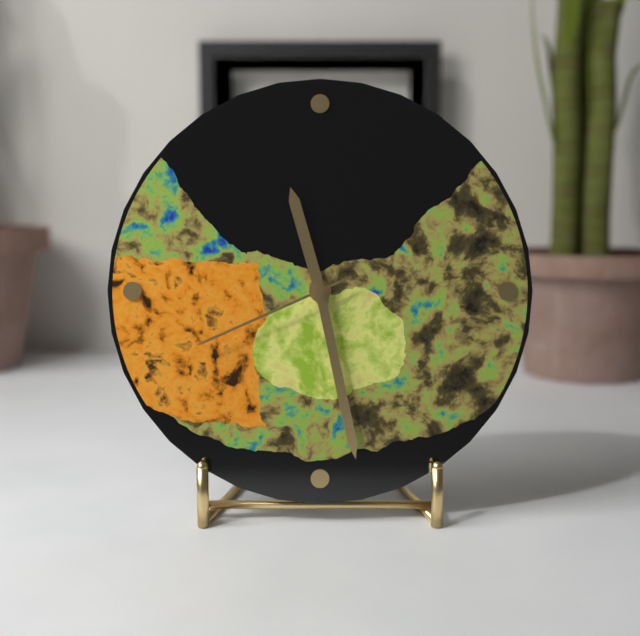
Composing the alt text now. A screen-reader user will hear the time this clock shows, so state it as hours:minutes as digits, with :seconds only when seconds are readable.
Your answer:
11:28:41
